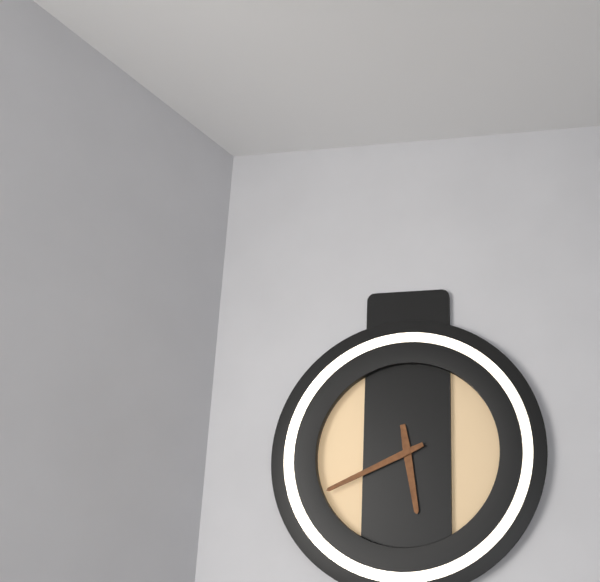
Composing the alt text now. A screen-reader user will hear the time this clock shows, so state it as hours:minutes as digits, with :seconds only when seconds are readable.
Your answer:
5:41
